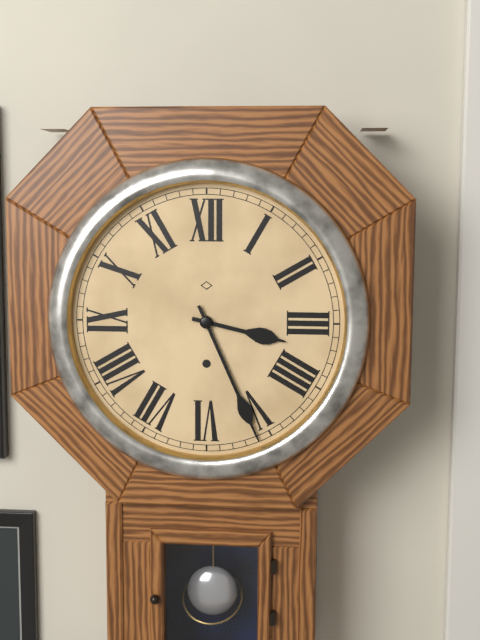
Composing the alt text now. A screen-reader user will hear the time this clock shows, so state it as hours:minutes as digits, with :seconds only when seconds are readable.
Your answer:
3:26
